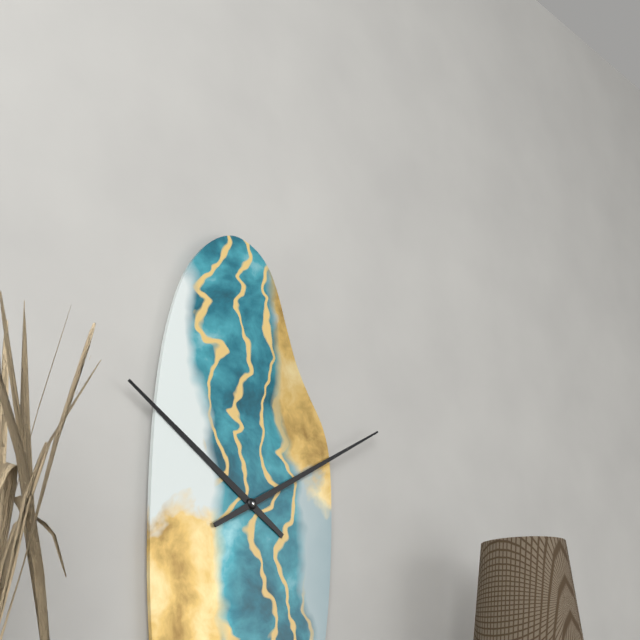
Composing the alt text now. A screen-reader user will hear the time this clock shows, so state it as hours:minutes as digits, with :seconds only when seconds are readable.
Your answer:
10:10
